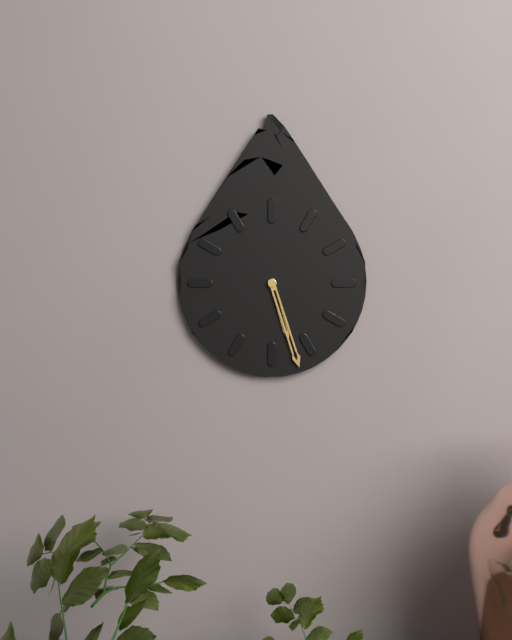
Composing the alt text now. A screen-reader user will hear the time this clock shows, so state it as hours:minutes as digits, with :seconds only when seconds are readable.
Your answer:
5:27
